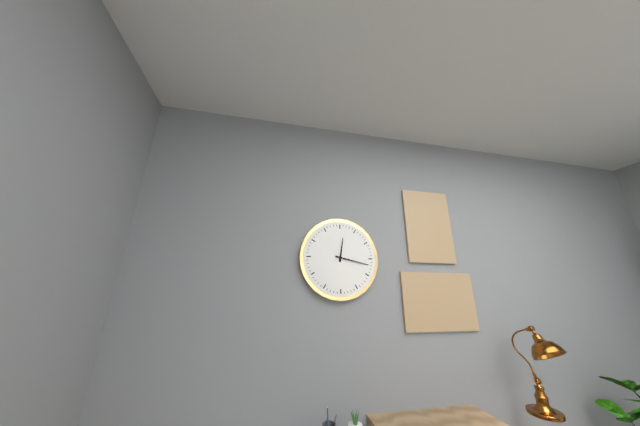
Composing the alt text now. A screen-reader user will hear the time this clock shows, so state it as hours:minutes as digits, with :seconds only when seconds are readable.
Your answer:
12:17
